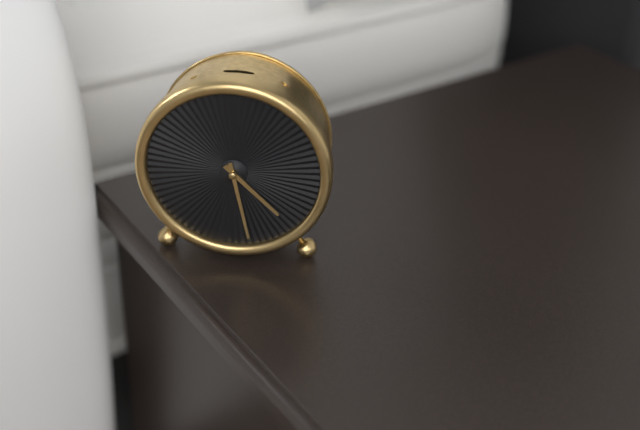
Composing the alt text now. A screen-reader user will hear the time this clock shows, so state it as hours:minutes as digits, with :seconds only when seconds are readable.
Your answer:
4:28
